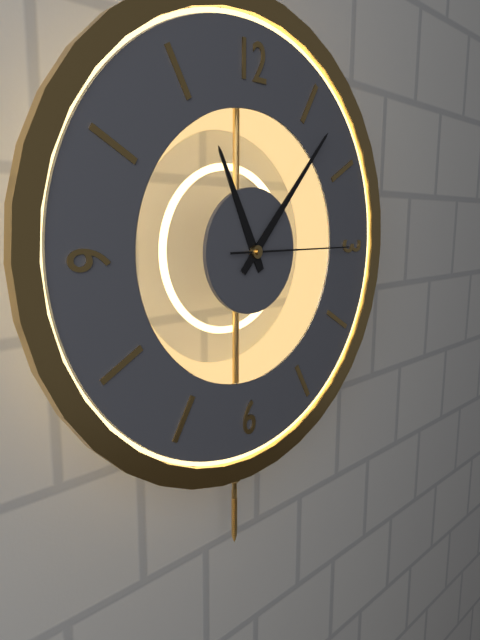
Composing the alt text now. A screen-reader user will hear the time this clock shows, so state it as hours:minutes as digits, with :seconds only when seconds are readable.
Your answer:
11:07:15
